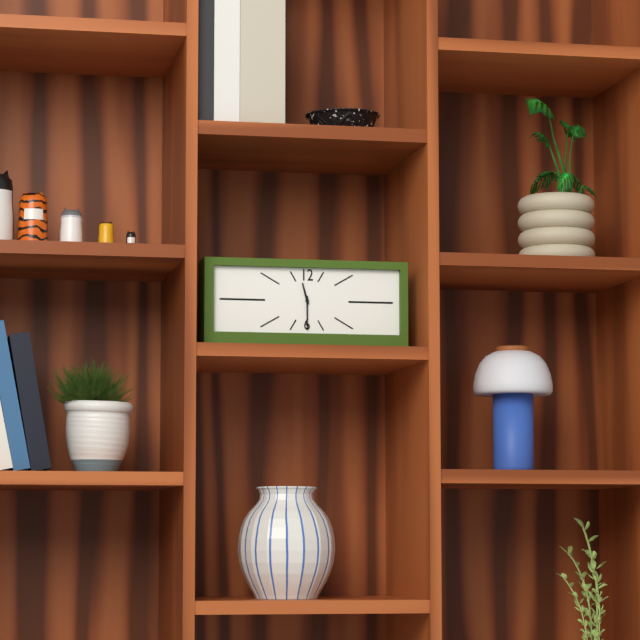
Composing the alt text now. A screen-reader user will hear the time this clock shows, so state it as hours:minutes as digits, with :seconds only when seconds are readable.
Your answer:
11:30
